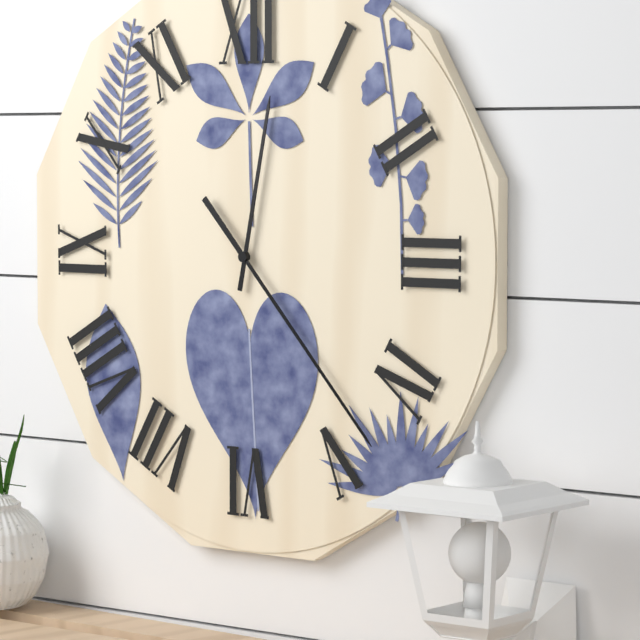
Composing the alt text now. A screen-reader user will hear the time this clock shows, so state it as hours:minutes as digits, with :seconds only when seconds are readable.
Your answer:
12:23
